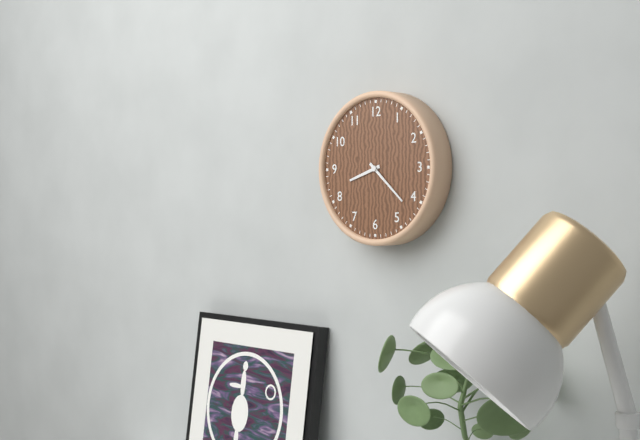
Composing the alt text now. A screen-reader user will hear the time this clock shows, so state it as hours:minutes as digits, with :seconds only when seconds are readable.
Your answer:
8:22
